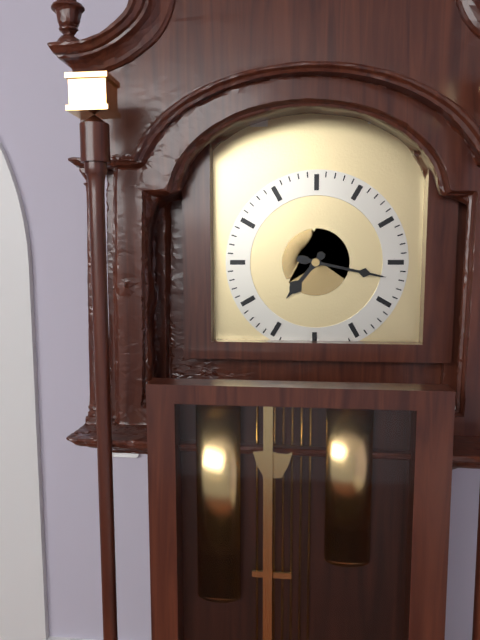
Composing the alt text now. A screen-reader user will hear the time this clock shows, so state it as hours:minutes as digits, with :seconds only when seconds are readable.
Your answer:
7:17
